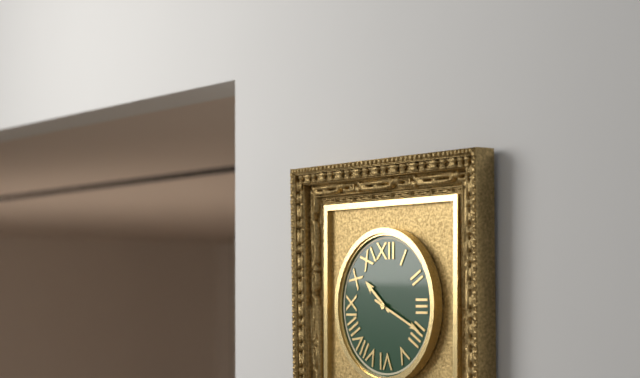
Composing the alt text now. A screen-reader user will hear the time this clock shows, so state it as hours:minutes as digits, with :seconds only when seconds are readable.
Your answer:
10:19
